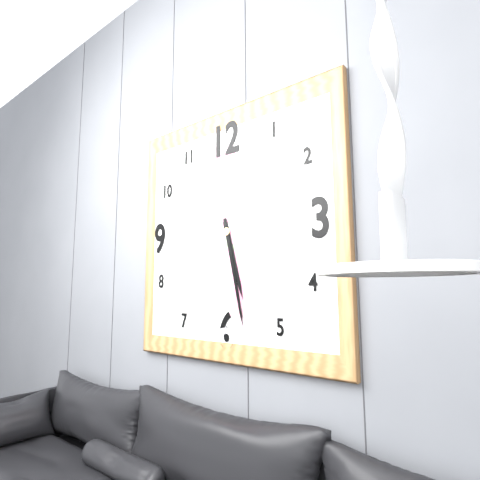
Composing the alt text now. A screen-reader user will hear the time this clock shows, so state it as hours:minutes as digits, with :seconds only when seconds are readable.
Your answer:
5:28
